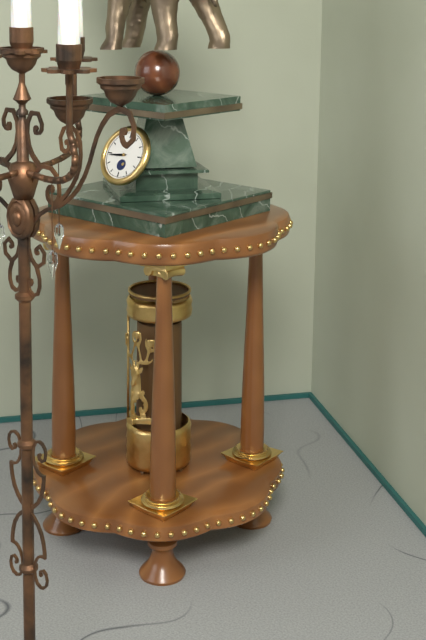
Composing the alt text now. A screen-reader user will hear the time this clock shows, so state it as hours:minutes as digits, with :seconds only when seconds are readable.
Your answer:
8:44
